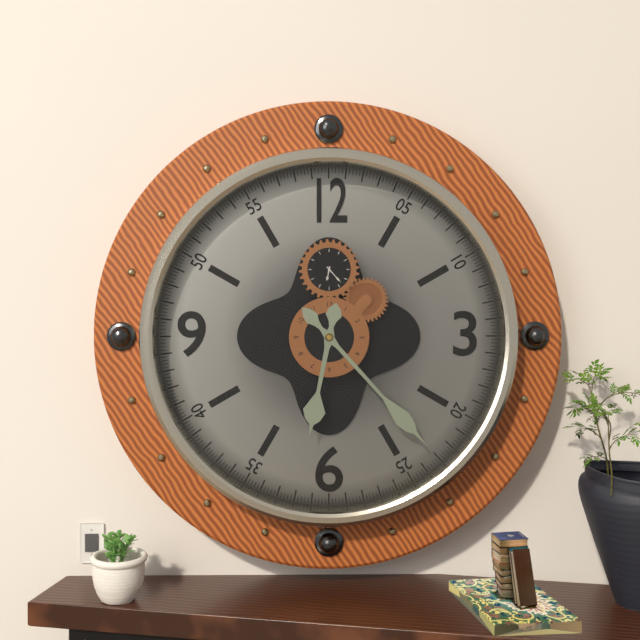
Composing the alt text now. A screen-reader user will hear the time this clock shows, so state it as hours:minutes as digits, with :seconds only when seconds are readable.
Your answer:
6:23
